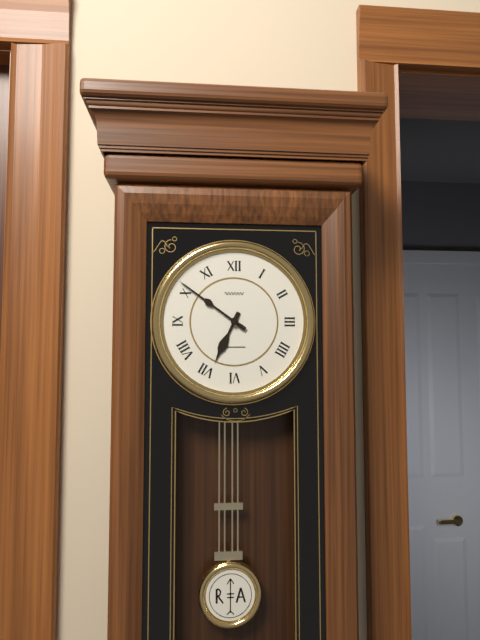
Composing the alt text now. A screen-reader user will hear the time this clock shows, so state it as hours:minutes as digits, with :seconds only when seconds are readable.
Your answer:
6:51
